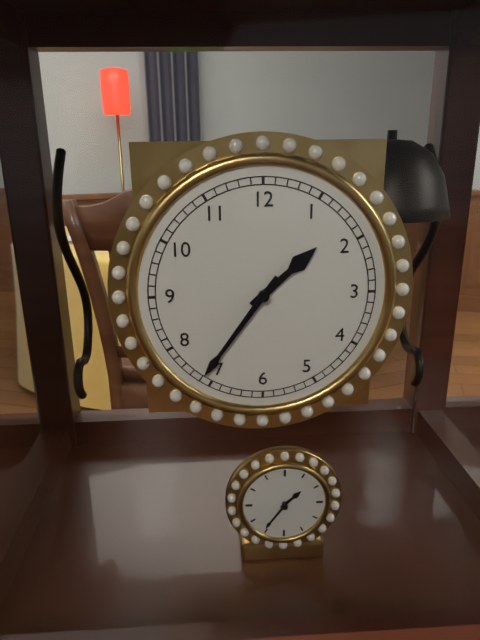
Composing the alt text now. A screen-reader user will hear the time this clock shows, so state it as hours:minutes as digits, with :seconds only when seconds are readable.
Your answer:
1:36
